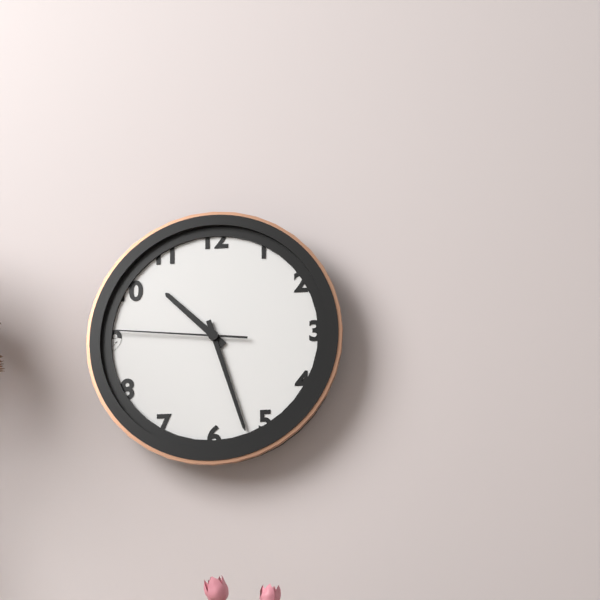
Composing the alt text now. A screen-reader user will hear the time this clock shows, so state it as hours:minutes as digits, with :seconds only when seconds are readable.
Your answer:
10:27:46
